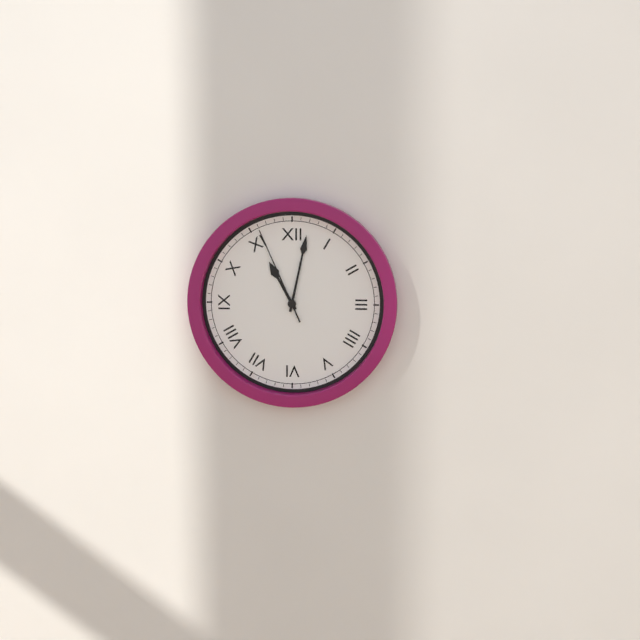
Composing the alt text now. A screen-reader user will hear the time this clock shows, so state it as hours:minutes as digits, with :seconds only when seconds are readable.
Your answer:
11:02:56
